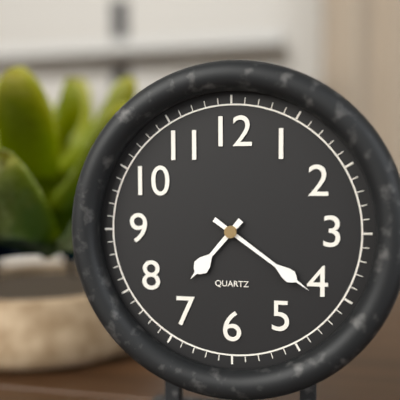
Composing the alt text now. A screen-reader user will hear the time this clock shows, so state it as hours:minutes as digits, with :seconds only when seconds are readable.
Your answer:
7:21
